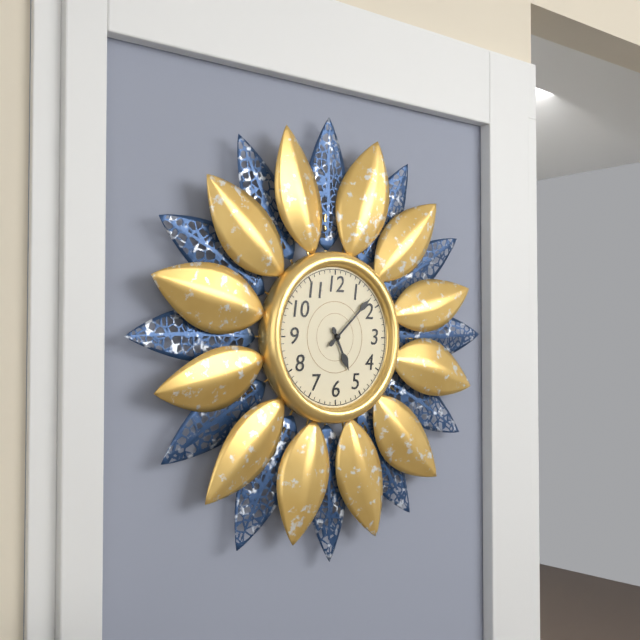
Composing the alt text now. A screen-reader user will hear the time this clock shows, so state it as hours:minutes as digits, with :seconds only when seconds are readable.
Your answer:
5:08
